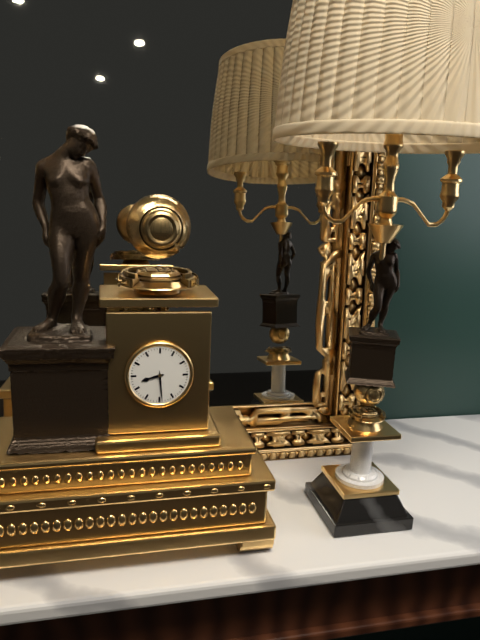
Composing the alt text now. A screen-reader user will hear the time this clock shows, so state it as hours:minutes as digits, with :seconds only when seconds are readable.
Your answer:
8:29
